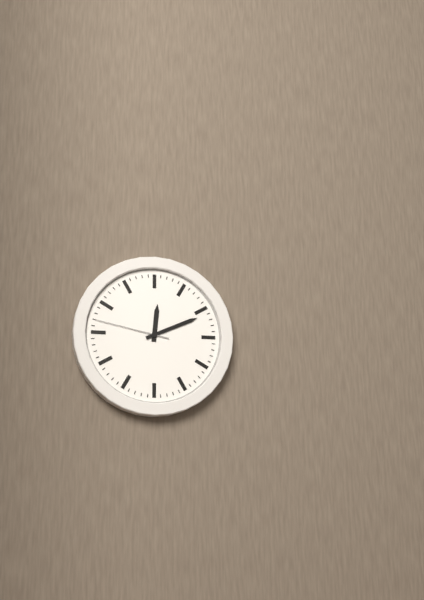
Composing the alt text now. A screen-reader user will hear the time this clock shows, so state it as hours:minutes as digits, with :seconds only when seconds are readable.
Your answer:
12:11:47
